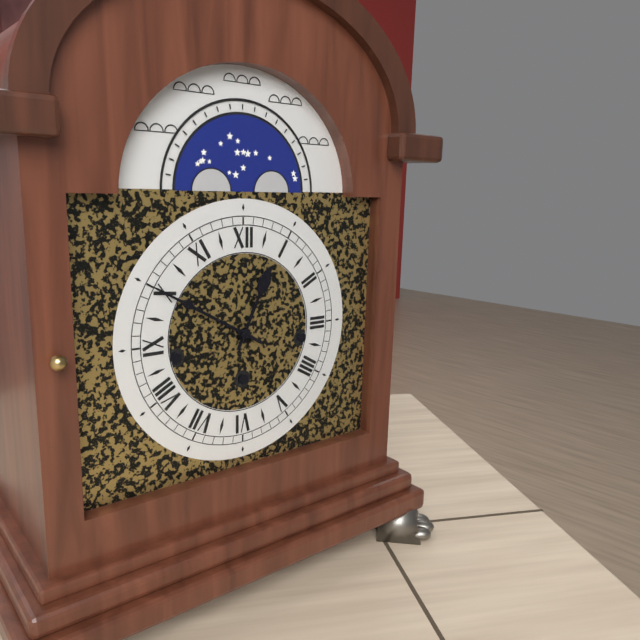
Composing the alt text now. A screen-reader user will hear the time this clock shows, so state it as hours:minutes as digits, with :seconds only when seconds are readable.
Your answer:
12:50
